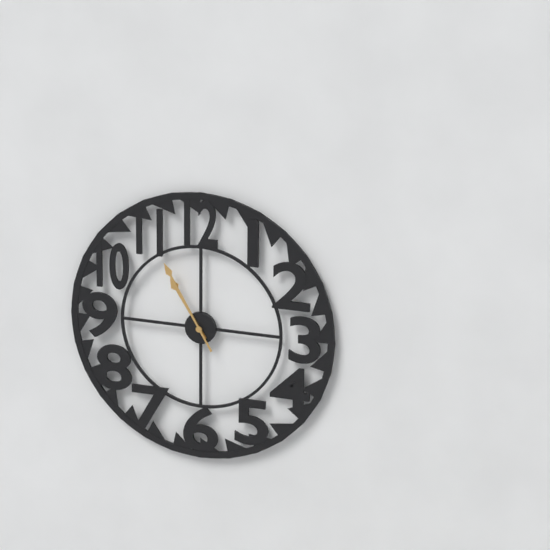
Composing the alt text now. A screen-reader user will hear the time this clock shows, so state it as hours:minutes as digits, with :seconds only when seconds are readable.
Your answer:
10:55
